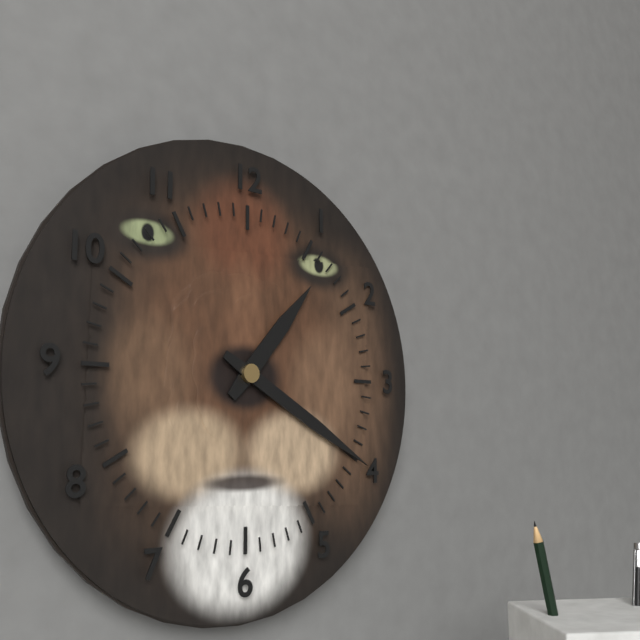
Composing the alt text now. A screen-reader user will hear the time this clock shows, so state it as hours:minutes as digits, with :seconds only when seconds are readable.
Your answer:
1:20
